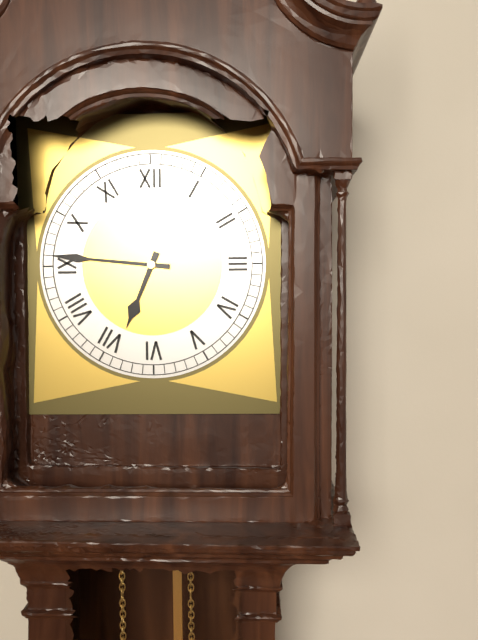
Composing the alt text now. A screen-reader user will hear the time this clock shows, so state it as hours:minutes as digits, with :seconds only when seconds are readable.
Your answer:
6:46
